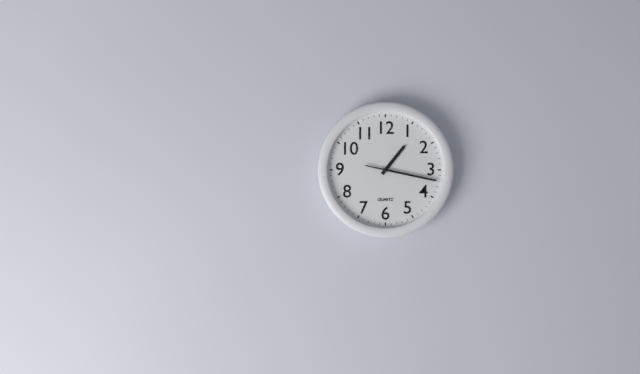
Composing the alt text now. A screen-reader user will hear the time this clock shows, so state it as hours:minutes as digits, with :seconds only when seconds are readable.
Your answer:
1:17
